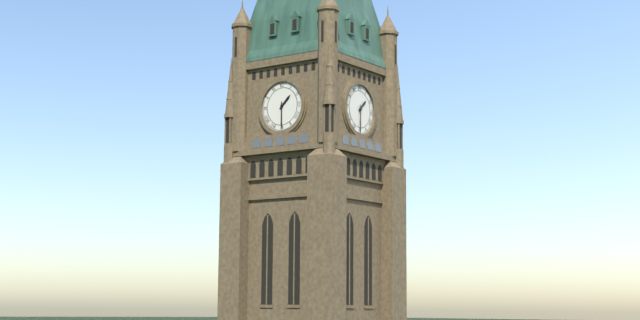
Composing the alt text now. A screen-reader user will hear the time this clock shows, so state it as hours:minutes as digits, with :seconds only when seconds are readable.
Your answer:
1:30
